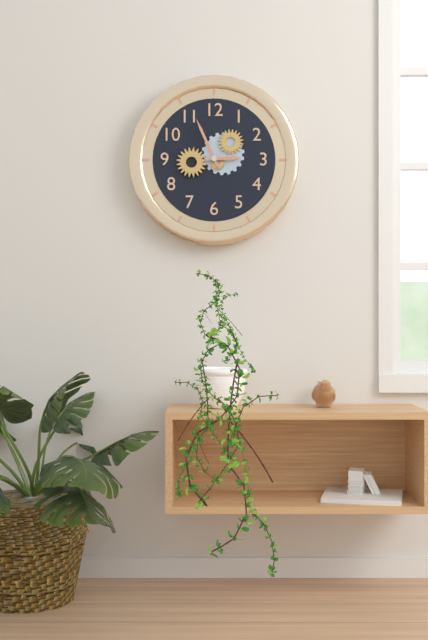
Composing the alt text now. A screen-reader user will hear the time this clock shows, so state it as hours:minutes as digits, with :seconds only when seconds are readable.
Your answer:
2:56
